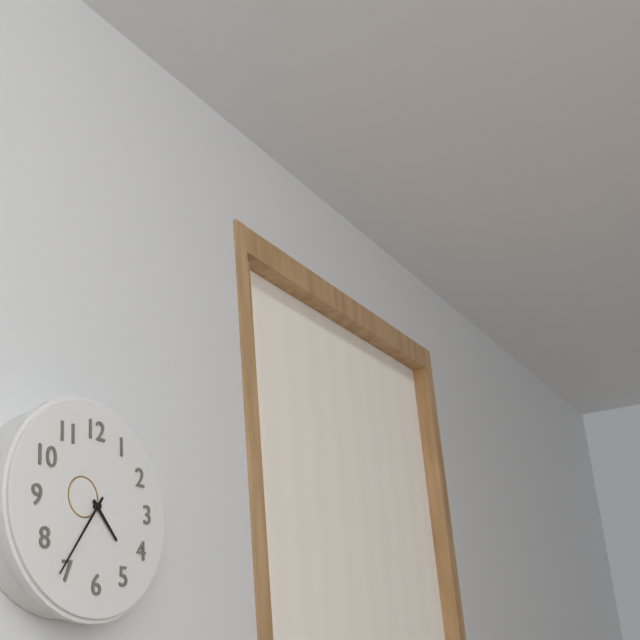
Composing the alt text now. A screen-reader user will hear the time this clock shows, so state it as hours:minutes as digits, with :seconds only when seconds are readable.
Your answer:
4:36
